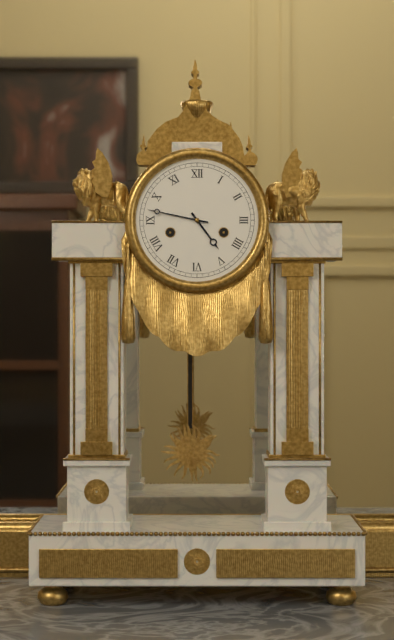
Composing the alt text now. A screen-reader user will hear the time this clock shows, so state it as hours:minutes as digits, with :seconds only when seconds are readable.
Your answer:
4:47
